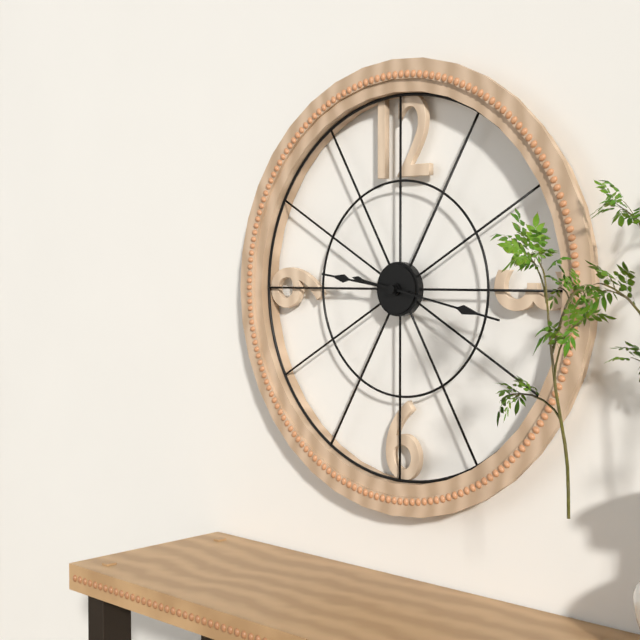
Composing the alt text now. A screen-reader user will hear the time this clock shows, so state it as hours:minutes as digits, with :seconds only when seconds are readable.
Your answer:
9:17
